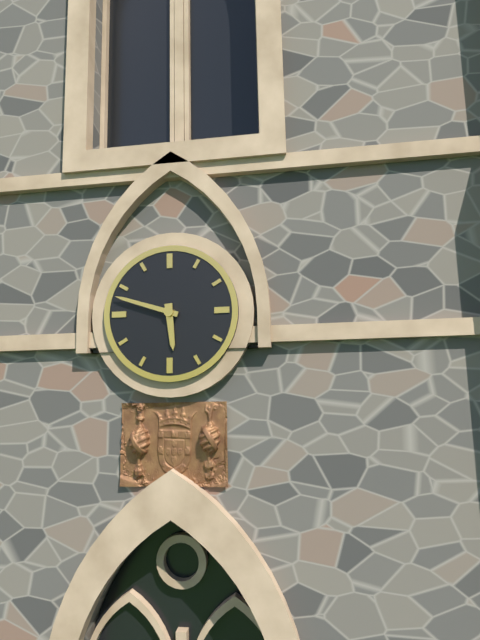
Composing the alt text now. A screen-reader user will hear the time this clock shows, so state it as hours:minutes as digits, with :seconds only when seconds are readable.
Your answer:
5:48
